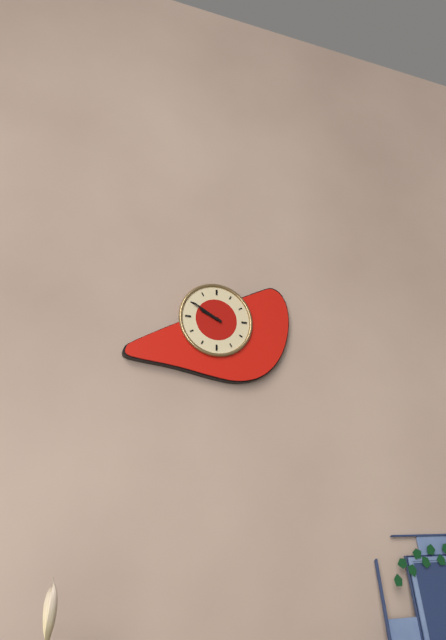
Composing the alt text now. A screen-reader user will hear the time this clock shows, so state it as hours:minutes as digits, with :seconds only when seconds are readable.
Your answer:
9:50
